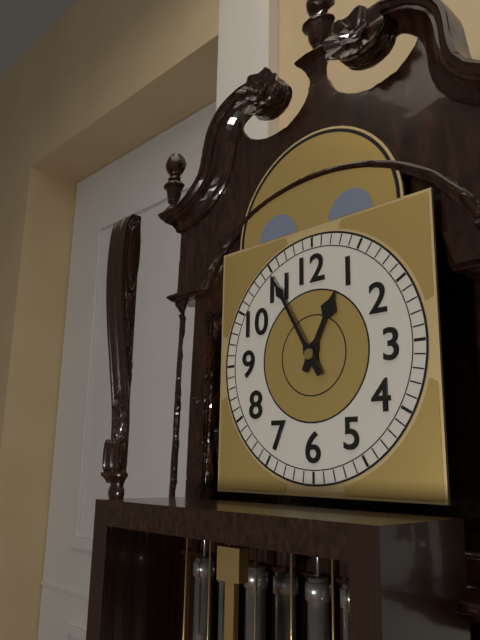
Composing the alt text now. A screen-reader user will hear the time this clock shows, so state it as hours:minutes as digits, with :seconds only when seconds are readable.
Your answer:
12:55
